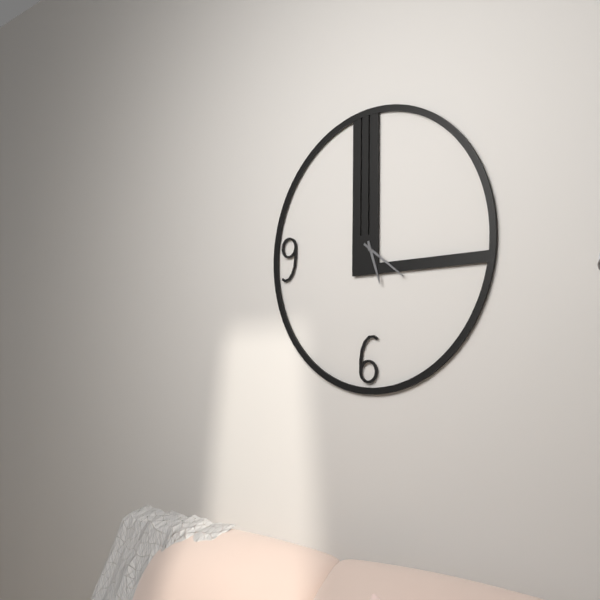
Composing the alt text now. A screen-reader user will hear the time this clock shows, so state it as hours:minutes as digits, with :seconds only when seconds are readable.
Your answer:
5:21
